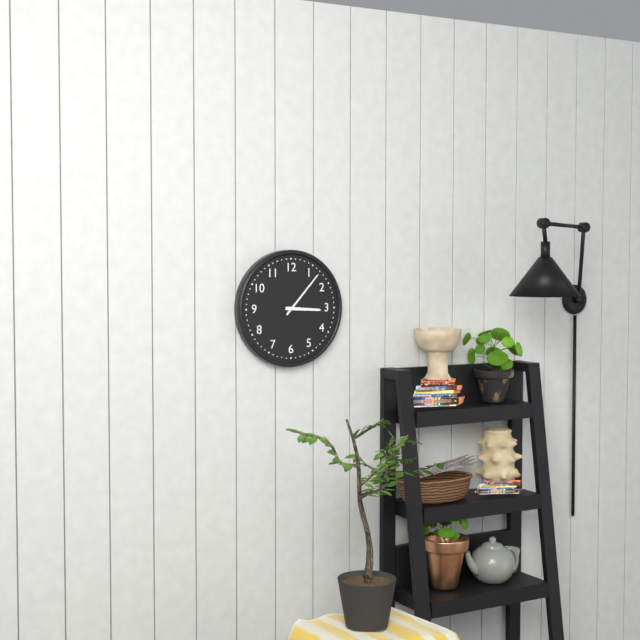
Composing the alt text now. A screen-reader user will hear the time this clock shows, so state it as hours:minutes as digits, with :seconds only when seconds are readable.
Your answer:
3:07
